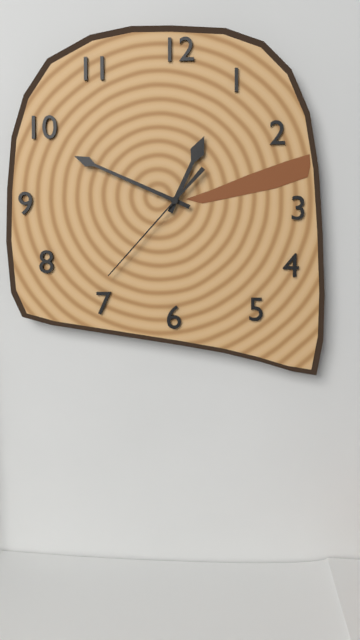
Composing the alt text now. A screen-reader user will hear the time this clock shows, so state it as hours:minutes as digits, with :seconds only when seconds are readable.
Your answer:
12:49:37
